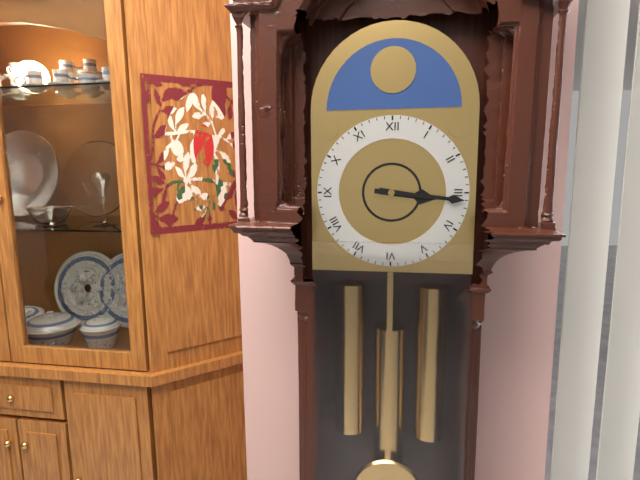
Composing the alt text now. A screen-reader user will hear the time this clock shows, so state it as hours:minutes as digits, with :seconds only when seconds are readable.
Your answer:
3:16
